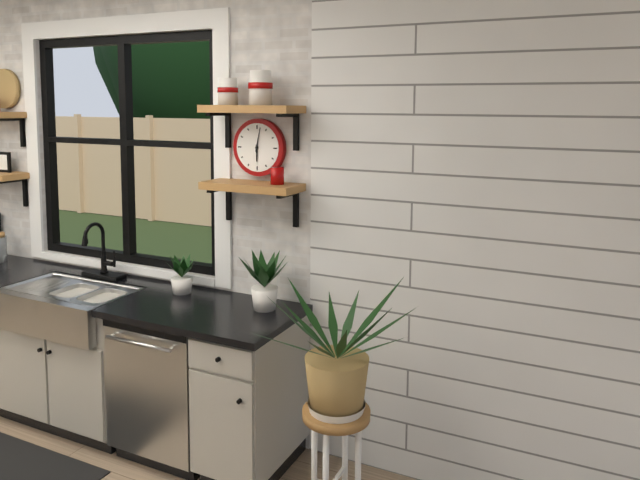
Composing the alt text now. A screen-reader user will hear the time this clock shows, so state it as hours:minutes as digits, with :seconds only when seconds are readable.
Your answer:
6:02
